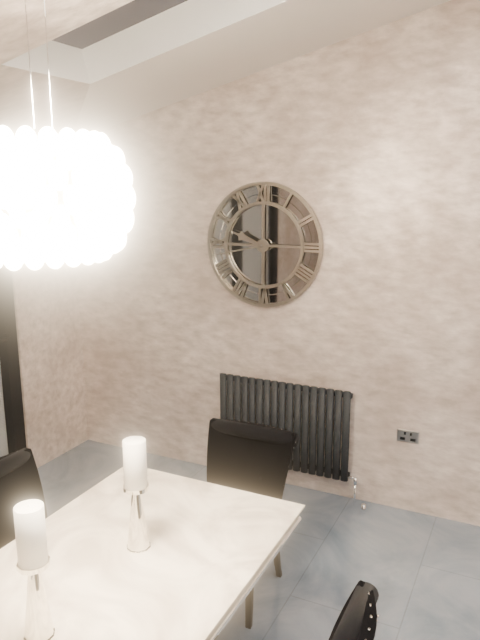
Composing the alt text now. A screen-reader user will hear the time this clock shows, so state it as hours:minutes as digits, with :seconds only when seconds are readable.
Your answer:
9:43
